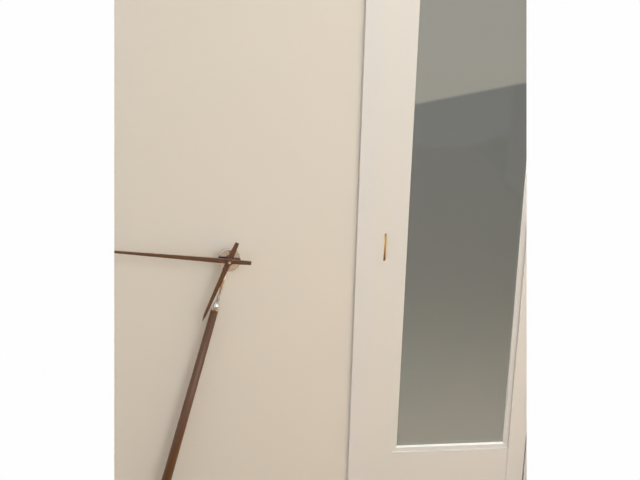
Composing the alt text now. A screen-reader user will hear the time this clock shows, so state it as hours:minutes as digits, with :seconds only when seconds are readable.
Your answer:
6:46
